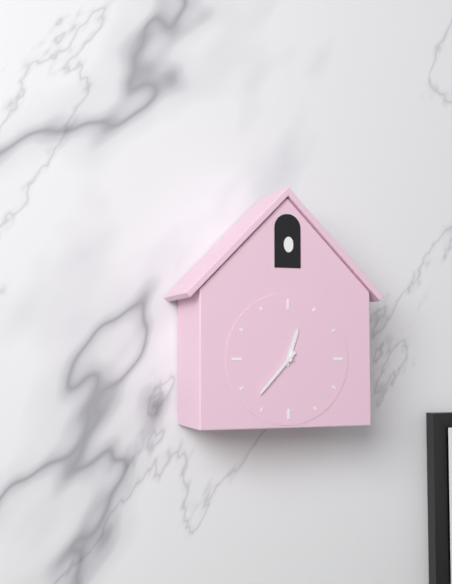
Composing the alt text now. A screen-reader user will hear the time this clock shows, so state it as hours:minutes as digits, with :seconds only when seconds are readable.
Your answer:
12:37
